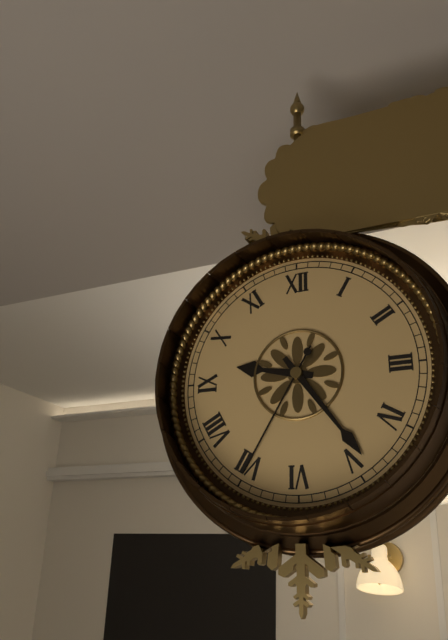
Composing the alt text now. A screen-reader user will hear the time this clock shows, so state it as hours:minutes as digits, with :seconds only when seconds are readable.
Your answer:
9:24:35
